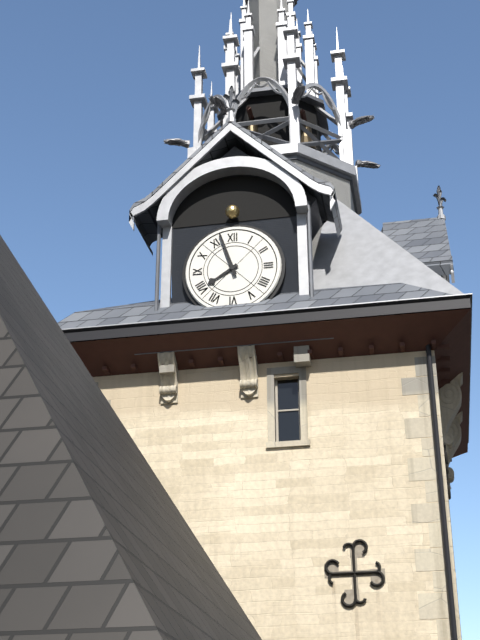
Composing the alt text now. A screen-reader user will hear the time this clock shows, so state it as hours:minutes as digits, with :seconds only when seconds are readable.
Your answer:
7:57
